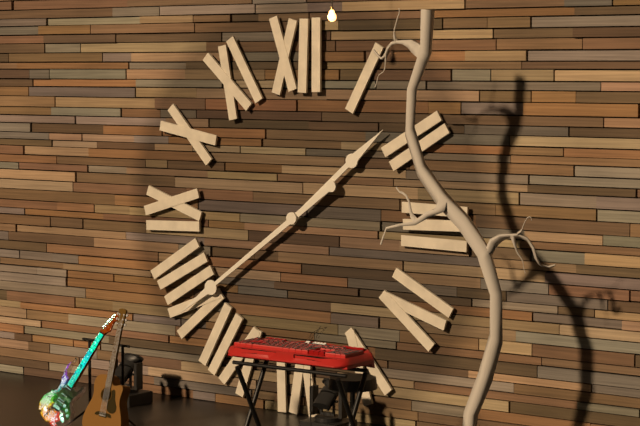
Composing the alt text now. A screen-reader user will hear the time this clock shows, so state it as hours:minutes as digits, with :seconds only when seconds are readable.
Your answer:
1:39
